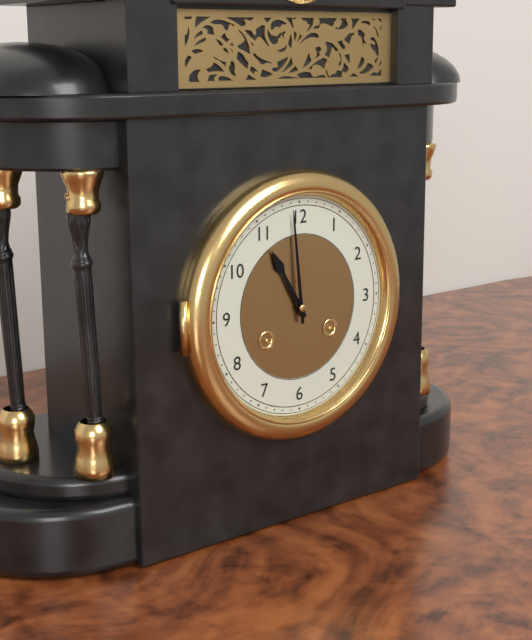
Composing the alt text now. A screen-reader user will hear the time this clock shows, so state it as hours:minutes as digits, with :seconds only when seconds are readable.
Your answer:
10:59
